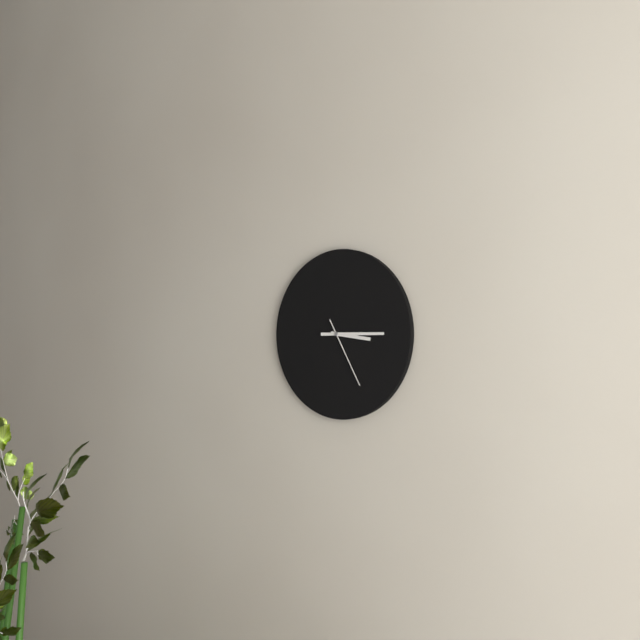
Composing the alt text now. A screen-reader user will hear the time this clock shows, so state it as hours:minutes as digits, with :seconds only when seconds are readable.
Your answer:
3:15:25
